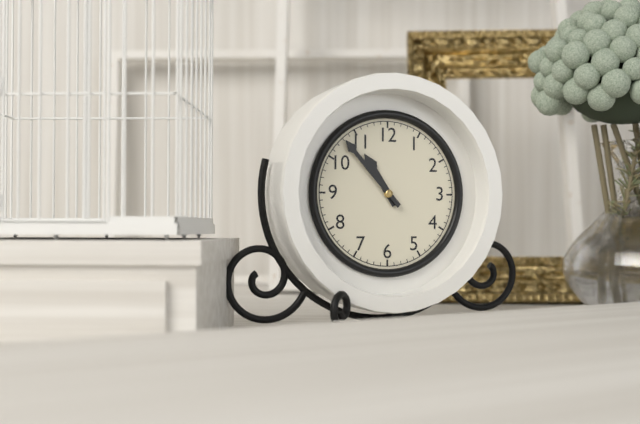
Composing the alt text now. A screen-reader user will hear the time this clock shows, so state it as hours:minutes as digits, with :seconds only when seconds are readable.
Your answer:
10:53
